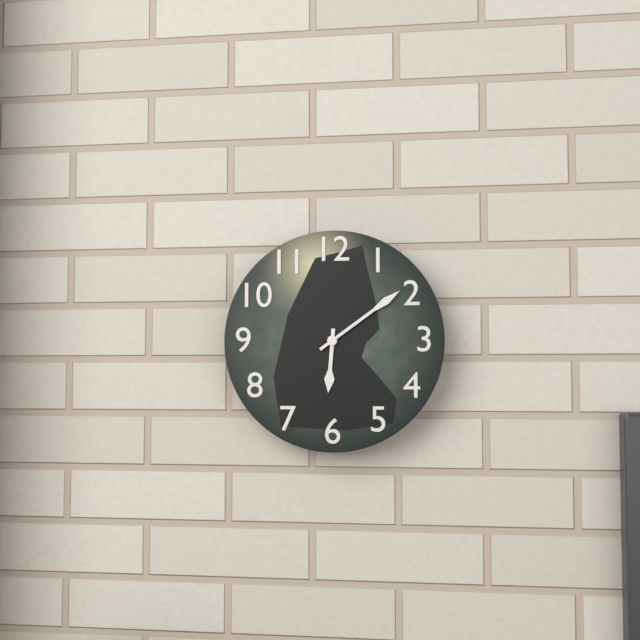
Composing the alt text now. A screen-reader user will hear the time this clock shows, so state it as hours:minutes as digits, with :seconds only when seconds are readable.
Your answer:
6:09
